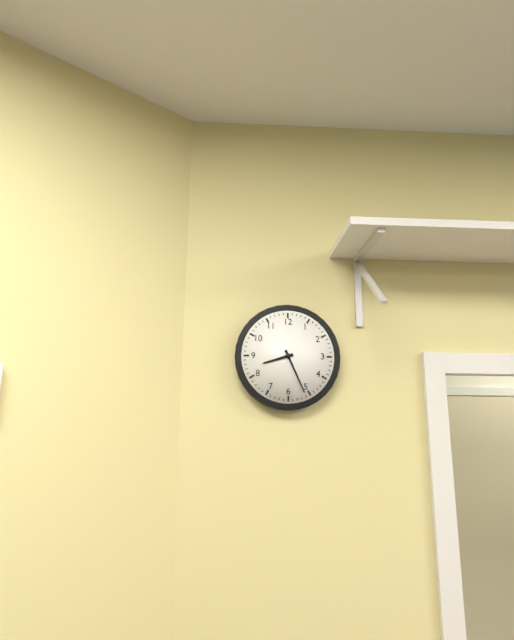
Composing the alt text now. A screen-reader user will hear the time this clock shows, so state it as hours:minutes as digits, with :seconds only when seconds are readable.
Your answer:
8:26
